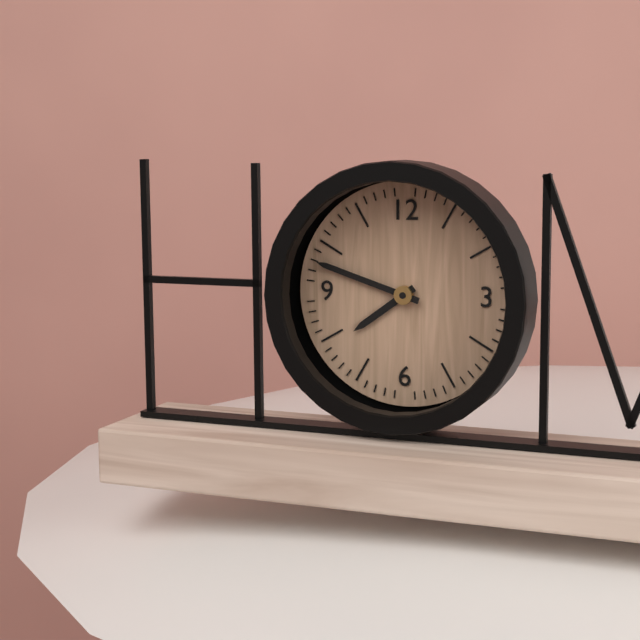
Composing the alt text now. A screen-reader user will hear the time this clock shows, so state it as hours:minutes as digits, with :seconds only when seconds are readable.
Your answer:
7:48
